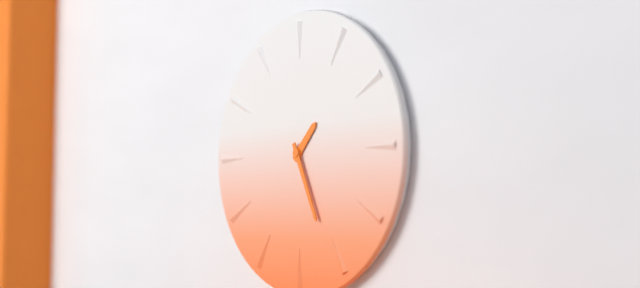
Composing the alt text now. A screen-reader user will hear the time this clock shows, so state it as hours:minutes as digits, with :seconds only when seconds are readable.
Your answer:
1:26
